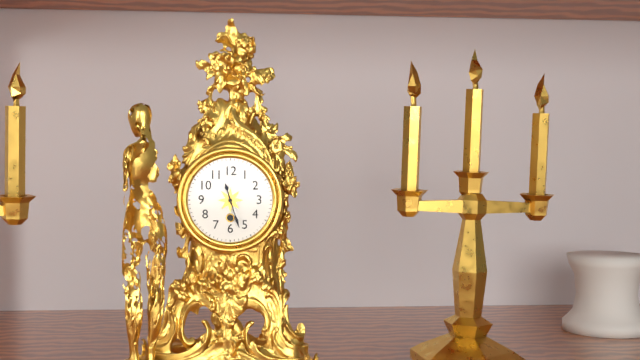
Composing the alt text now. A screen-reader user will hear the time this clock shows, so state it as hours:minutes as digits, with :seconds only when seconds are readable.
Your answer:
11:27
